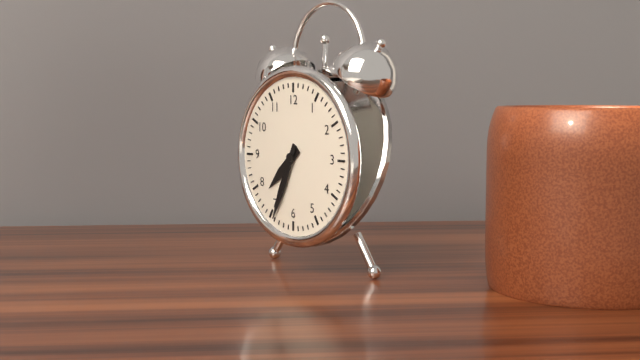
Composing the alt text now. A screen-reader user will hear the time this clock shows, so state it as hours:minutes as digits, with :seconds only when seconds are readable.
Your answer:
7:34
